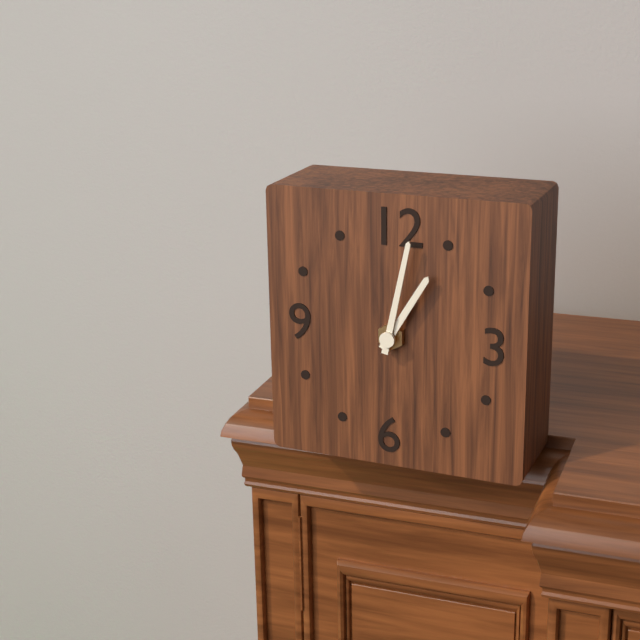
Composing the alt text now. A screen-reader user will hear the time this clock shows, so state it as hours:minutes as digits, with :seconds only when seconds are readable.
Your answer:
1:02
